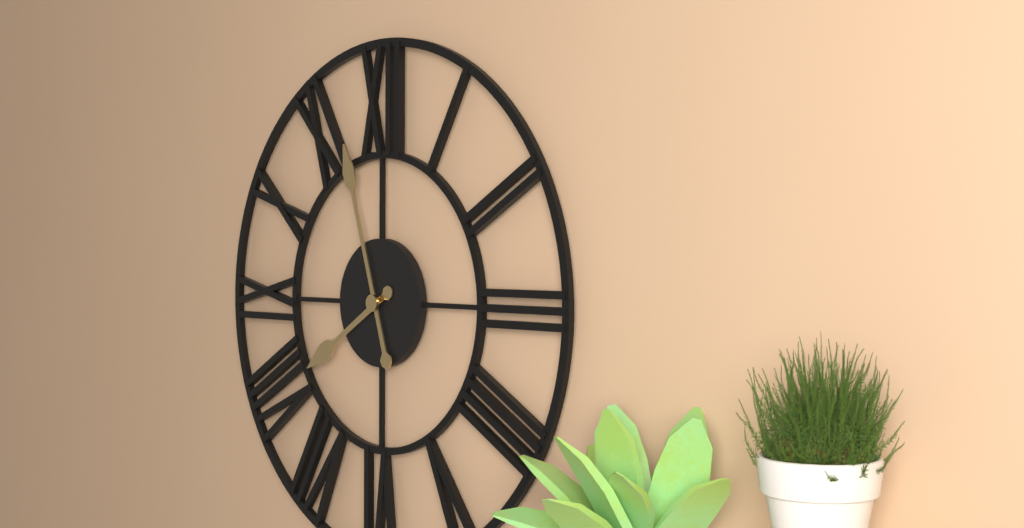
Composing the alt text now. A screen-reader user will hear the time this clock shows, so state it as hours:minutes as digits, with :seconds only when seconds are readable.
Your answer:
7:57
